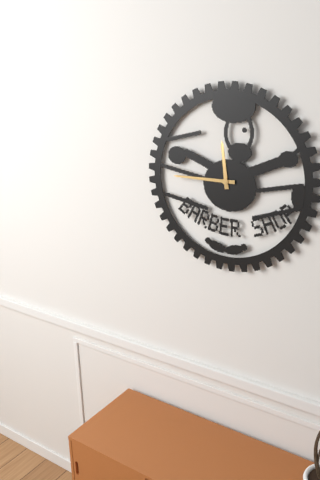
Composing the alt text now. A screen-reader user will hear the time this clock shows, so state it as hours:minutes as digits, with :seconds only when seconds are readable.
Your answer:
11:45
